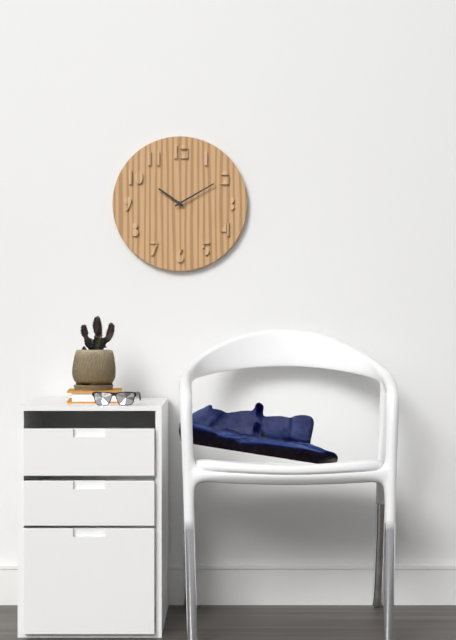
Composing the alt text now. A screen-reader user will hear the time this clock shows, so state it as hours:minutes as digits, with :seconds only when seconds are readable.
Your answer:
10:10
